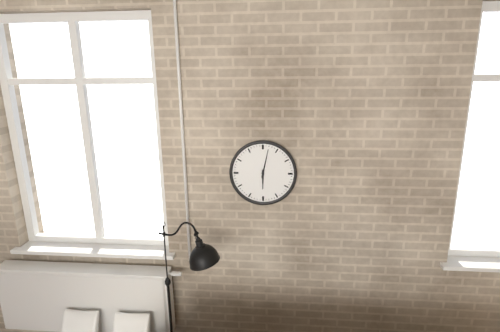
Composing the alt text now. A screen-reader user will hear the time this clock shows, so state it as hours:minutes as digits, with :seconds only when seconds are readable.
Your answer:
6:02
